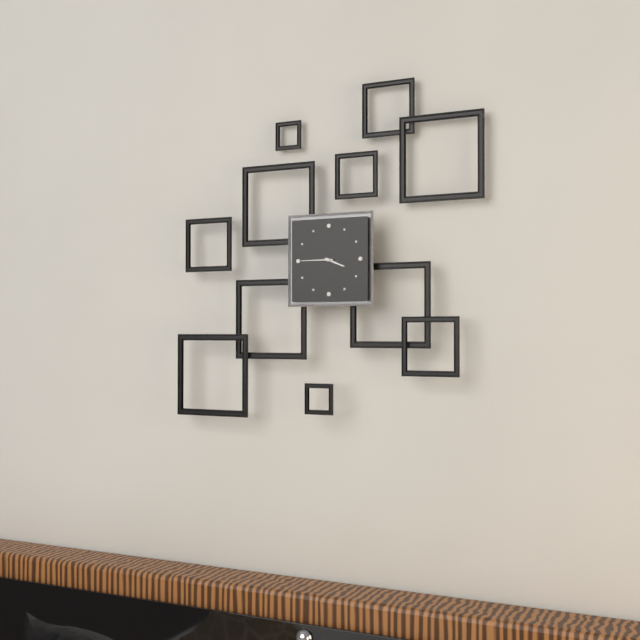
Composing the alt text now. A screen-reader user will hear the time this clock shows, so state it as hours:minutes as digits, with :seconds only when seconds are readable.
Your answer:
3:45
